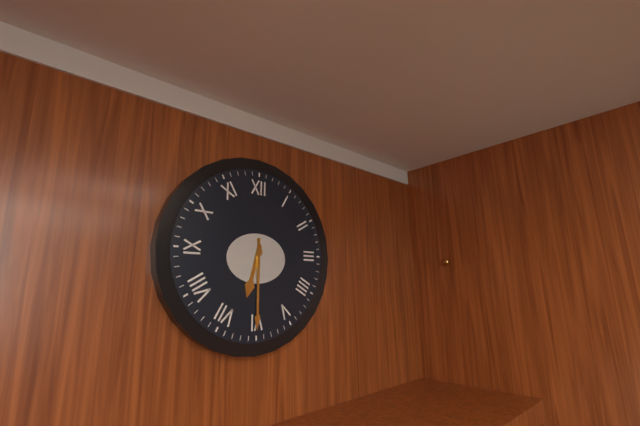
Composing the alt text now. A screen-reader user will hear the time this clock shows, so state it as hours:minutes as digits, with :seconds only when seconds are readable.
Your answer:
6:30
